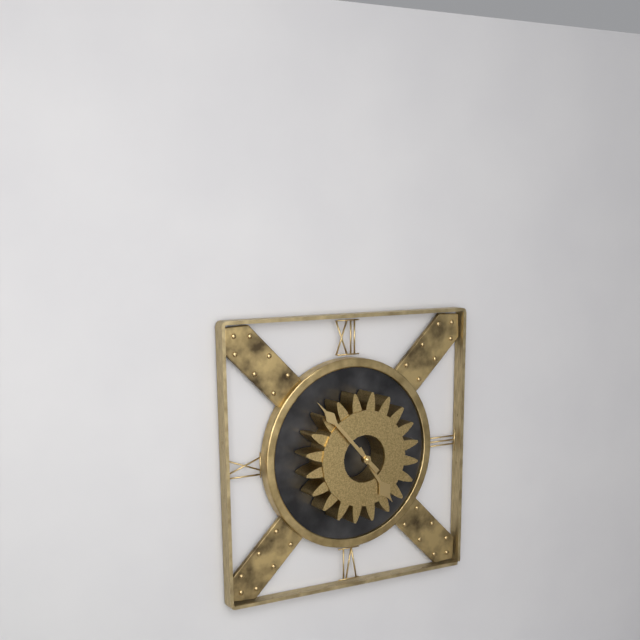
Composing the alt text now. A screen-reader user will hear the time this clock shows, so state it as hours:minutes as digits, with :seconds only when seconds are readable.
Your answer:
4:53
